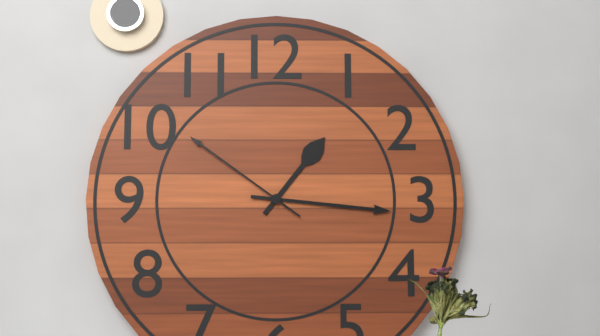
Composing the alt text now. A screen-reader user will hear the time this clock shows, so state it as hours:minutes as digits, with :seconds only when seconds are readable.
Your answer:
1:16:51
